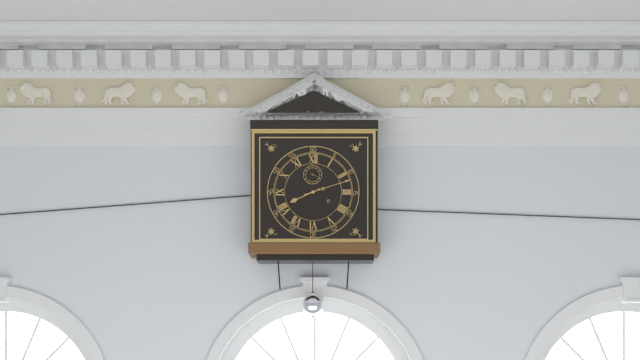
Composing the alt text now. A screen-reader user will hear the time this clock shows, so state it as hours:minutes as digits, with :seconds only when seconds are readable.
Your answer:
8:12
